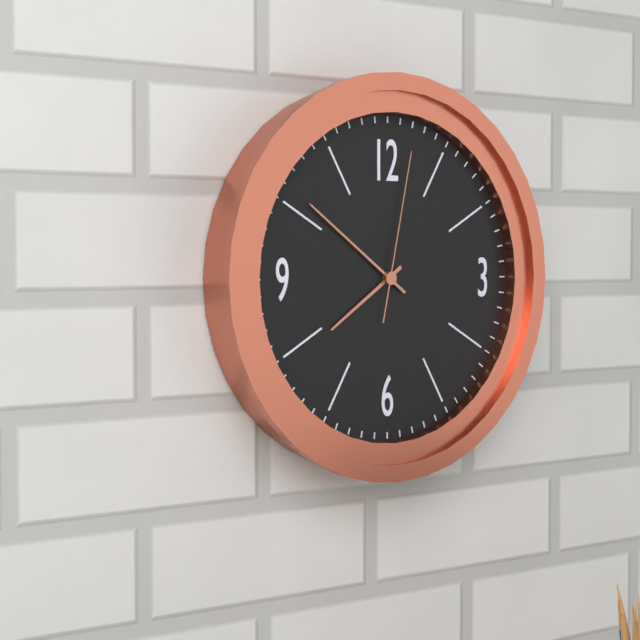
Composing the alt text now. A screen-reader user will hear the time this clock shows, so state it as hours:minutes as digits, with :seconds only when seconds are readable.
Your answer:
7:51:02
